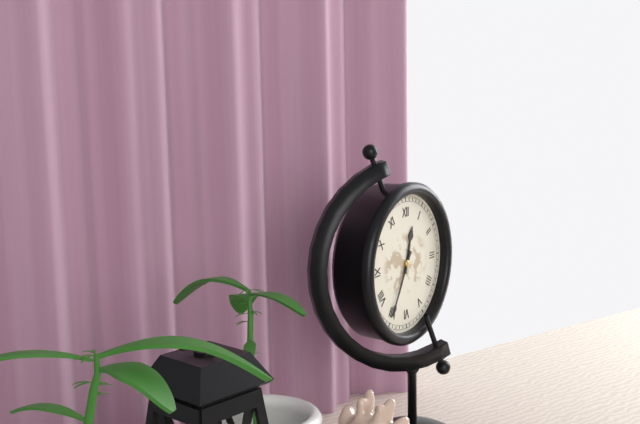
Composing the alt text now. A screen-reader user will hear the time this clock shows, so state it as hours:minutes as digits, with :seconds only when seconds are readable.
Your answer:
12:35
